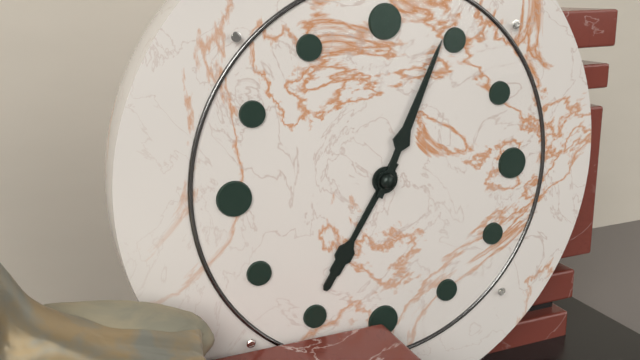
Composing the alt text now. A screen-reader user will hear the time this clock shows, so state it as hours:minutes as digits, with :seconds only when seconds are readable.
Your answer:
7:04
